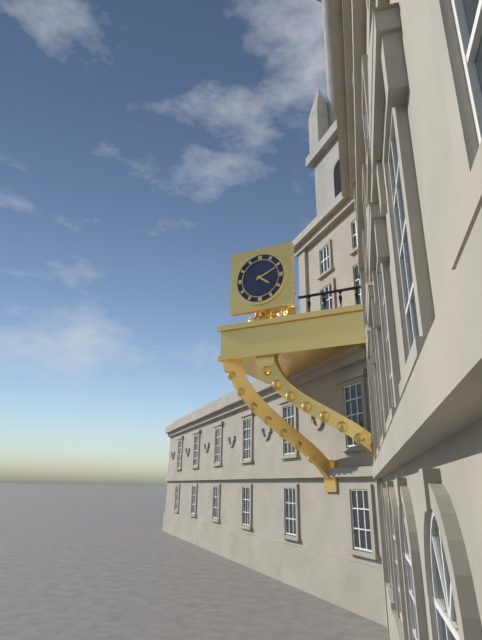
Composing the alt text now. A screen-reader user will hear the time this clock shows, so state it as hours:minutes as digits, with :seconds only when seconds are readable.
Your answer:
4:11
